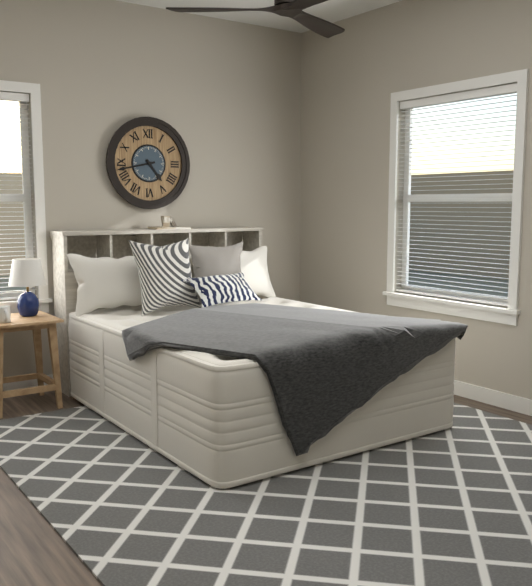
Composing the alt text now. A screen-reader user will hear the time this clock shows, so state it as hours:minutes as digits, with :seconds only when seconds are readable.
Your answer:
4:43
